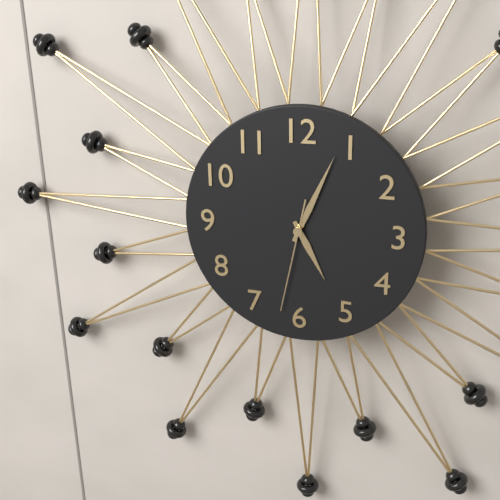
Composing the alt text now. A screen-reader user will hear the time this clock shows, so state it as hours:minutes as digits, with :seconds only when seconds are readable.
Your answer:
5:04:32
